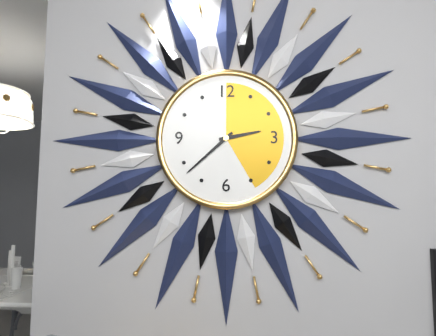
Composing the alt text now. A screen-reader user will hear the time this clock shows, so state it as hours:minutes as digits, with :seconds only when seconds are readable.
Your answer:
2:38
